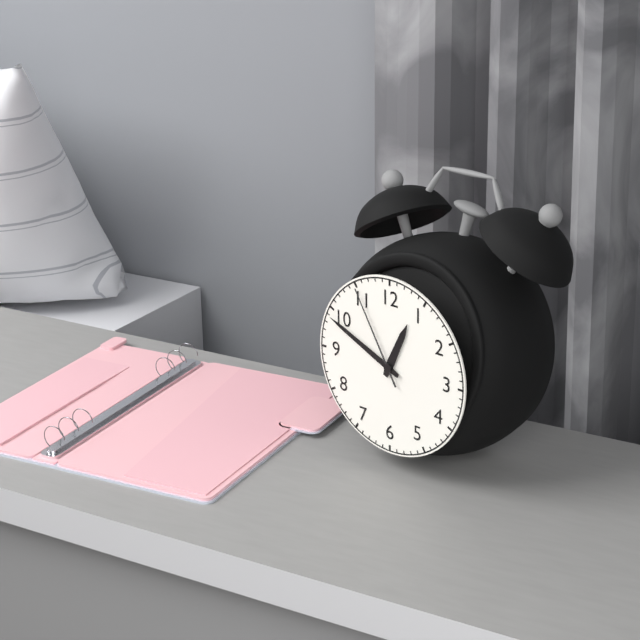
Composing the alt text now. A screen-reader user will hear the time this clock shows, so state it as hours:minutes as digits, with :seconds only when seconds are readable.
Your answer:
12:49:55
